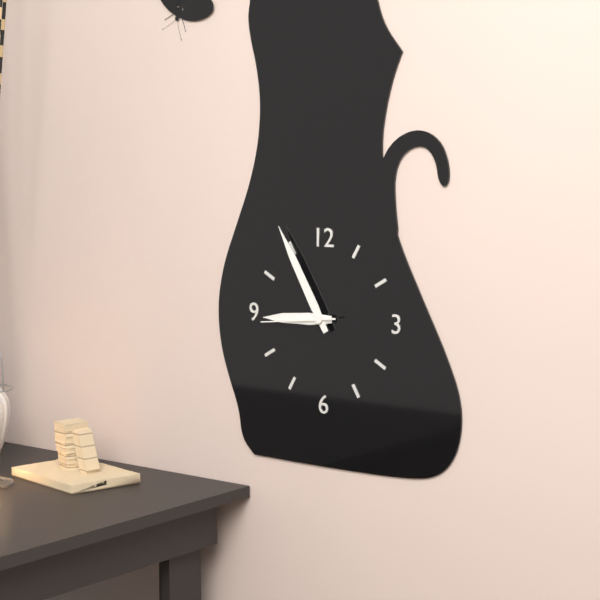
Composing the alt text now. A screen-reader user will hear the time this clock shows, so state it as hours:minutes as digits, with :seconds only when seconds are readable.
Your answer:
8:55:44
